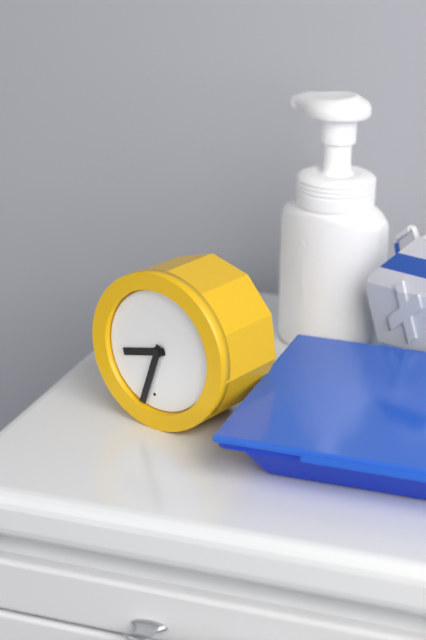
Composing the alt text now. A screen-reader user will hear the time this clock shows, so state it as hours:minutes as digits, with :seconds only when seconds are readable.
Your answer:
8:33
